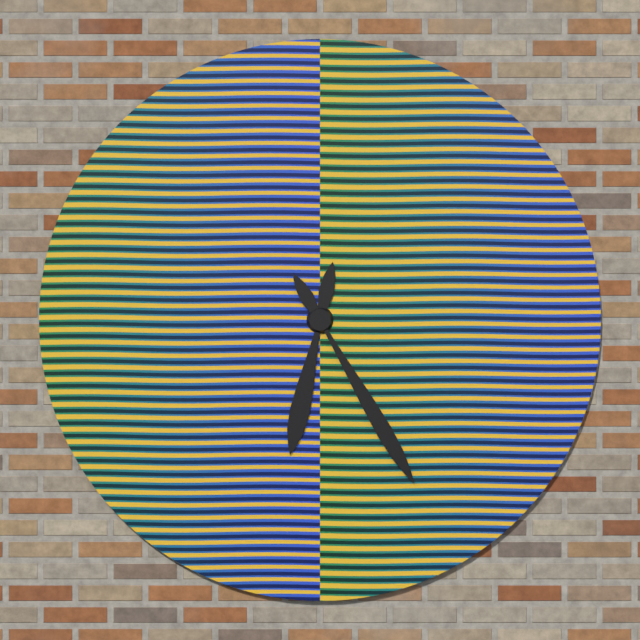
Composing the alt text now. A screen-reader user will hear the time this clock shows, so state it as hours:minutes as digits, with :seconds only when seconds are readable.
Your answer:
6:25
